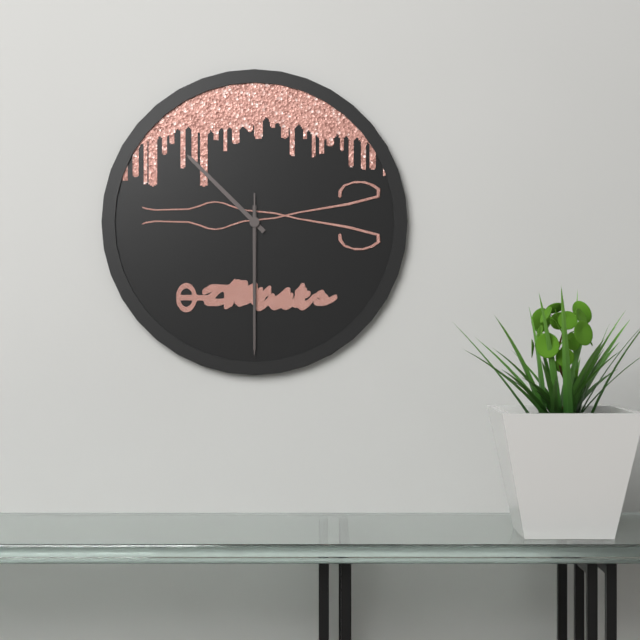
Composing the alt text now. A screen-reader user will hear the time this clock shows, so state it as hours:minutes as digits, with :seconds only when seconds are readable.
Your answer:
10:30:30
